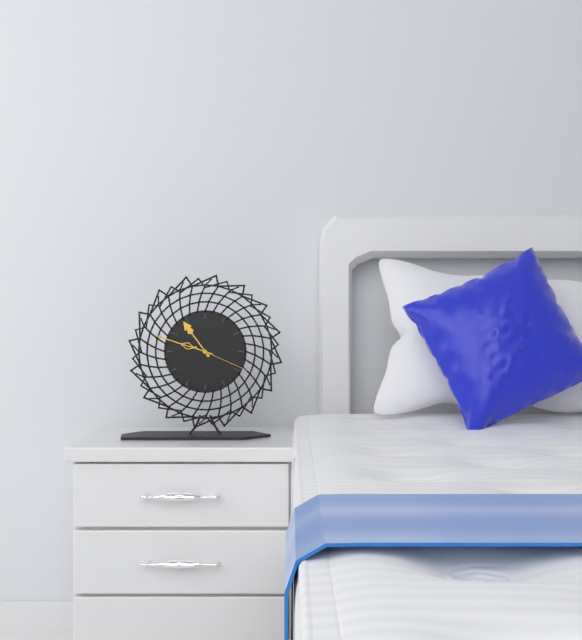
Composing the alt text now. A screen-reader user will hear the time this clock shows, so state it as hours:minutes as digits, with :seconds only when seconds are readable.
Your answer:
10:48:19
